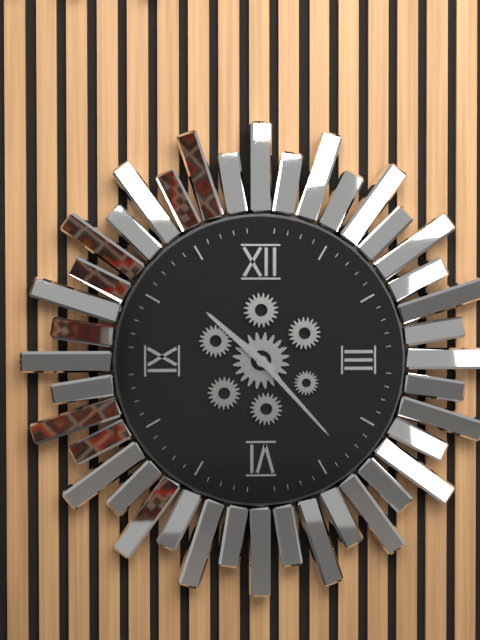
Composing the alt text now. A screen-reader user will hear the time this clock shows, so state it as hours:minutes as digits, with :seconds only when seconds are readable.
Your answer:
10:23
